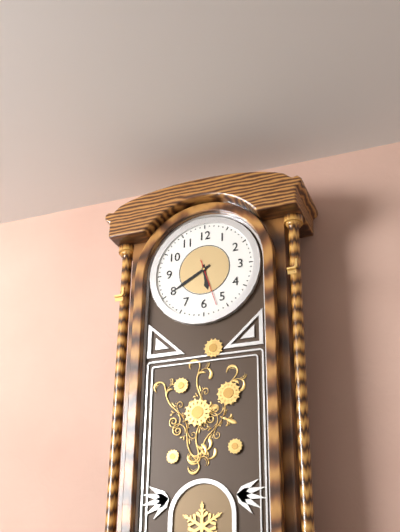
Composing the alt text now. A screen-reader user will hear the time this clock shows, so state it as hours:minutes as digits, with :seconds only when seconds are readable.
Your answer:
5:40
